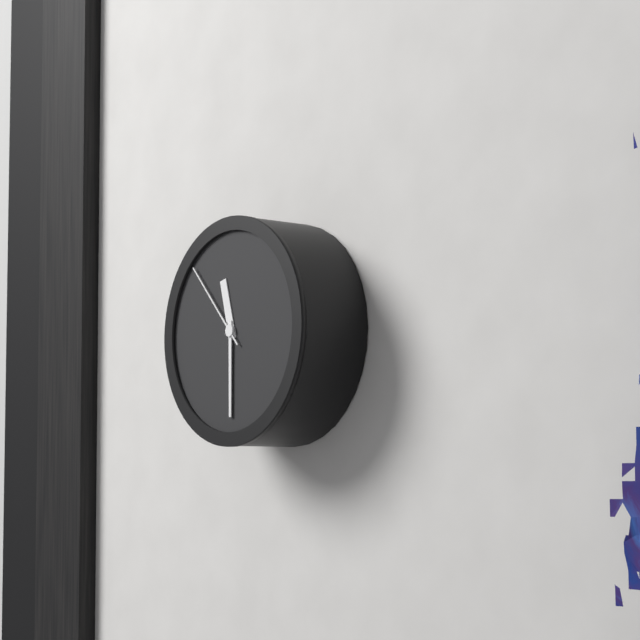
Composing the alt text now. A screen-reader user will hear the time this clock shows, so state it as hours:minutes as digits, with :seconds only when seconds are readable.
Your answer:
11:30:53
